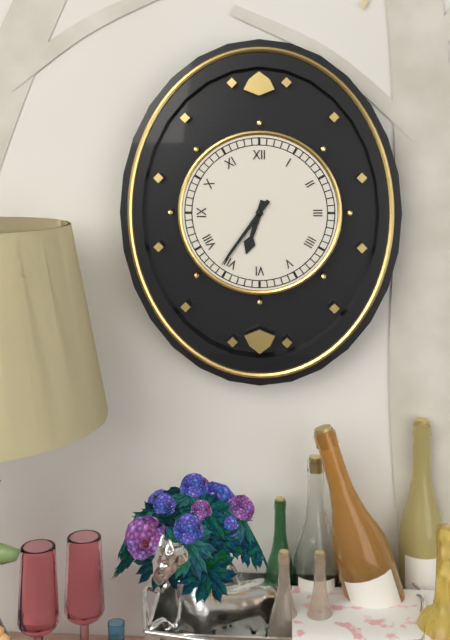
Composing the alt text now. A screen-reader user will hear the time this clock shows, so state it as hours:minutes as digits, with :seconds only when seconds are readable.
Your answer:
6:36
